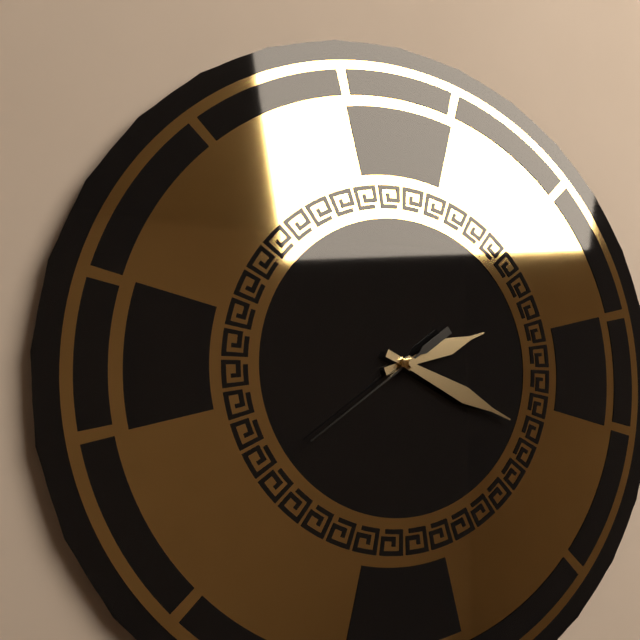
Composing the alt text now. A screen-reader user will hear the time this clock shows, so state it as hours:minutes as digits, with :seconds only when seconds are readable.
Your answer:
2:19:39
